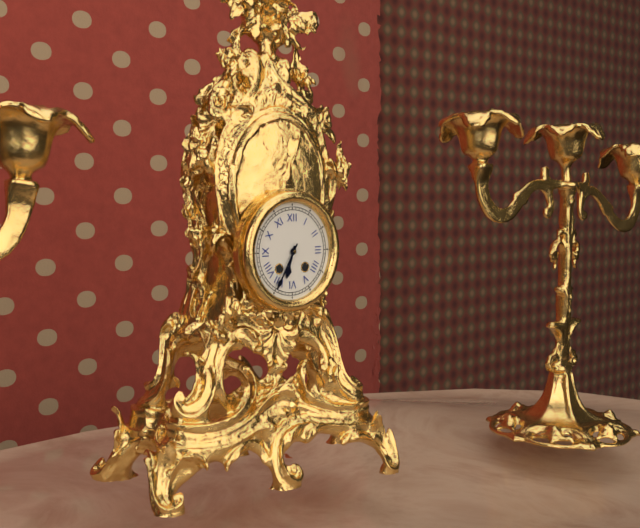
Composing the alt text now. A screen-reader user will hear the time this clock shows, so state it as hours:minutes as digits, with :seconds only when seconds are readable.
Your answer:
6:35
